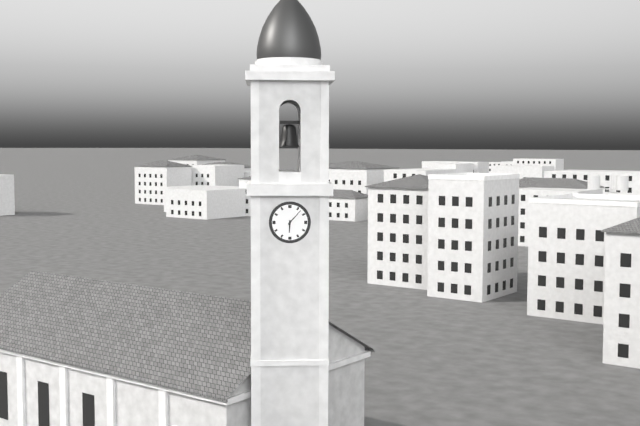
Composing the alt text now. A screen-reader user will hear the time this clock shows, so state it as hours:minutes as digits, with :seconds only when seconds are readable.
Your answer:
6:07
